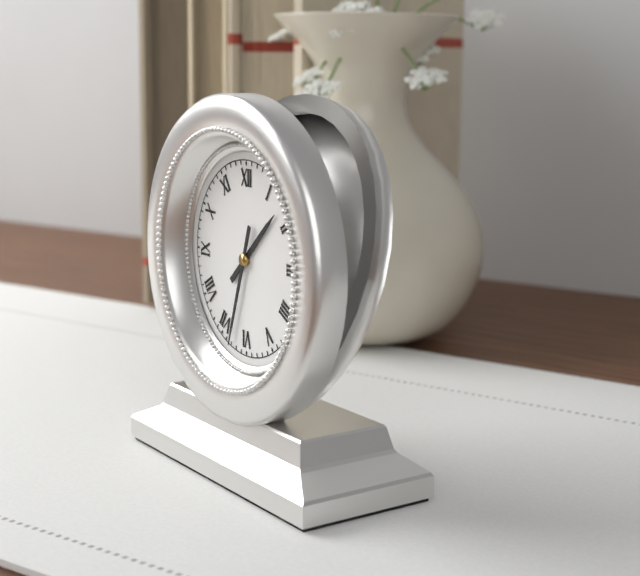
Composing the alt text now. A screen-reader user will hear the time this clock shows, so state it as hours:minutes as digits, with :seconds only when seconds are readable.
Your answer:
1:33
